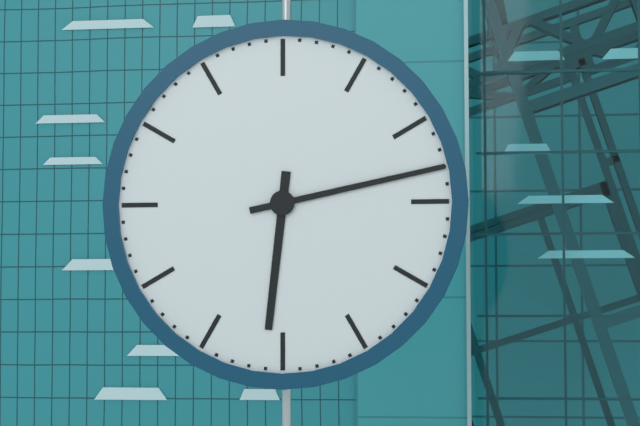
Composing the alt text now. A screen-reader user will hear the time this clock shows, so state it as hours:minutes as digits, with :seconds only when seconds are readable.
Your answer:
6:13
